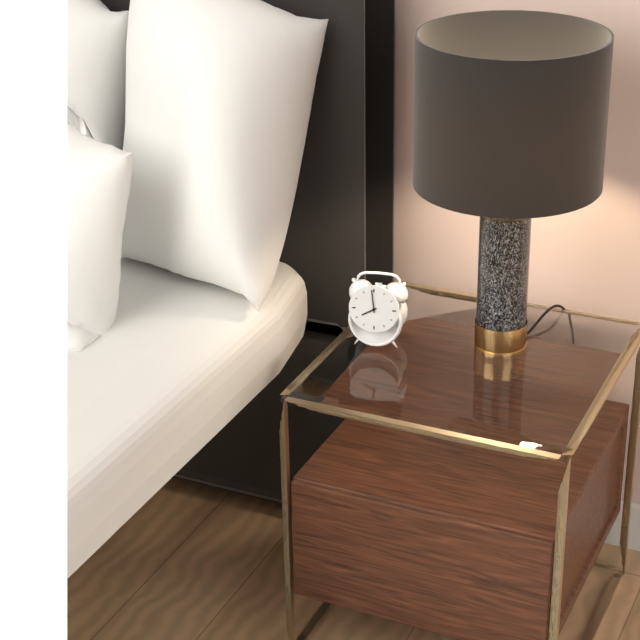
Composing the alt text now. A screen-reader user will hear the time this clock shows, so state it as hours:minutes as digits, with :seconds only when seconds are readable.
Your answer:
7:59
